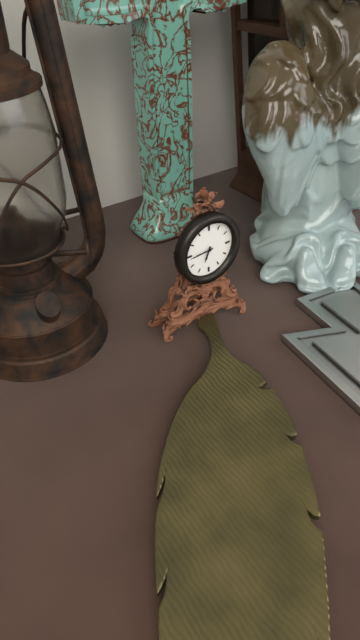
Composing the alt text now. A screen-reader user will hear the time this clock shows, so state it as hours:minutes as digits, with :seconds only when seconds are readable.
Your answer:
6:44
